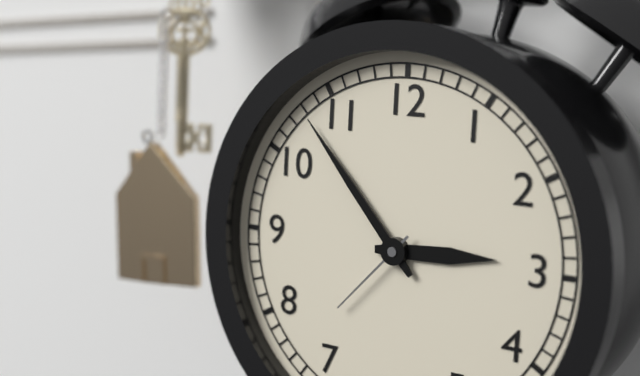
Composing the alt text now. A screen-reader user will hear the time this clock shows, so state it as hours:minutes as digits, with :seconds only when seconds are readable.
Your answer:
2:53:37
